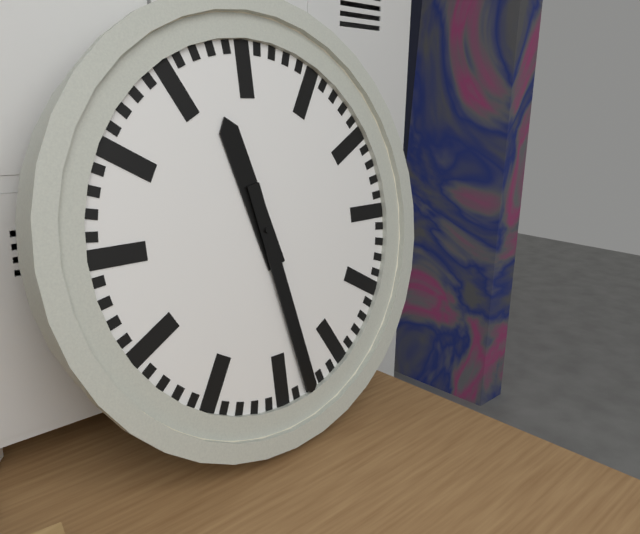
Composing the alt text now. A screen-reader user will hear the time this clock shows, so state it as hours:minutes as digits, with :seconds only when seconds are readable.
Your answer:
11:28
